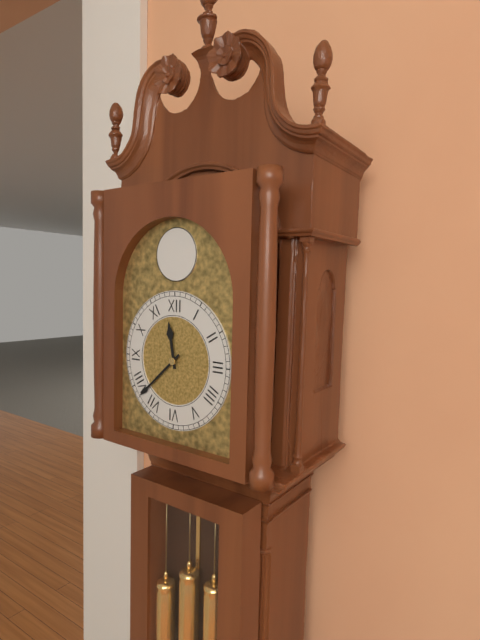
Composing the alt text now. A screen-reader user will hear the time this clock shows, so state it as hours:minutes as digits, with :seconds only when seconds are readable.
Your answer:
11:38
